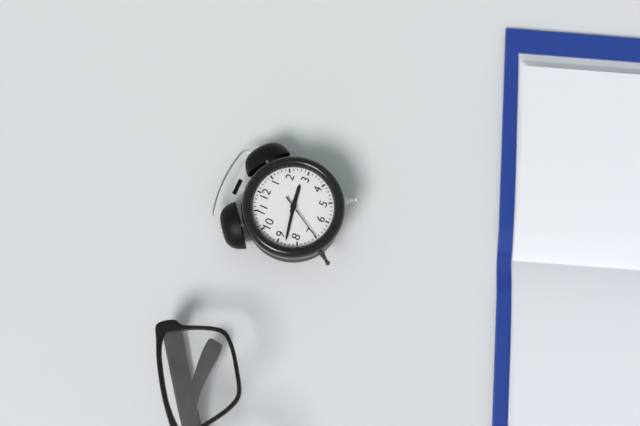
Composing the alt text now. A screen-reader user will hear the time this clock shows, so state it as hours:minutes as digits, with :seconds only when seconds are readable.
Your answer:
2:43
